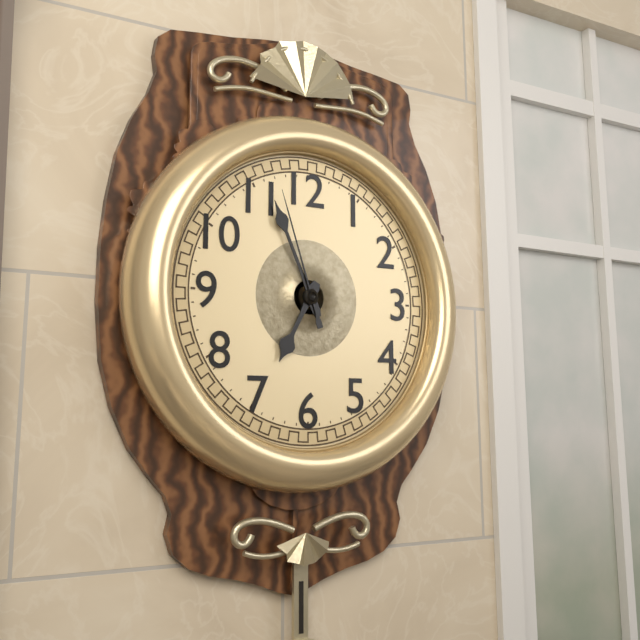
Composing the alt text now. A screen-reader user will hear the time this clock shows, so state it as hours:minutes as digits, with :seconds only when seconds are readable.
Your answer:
6:56:57
